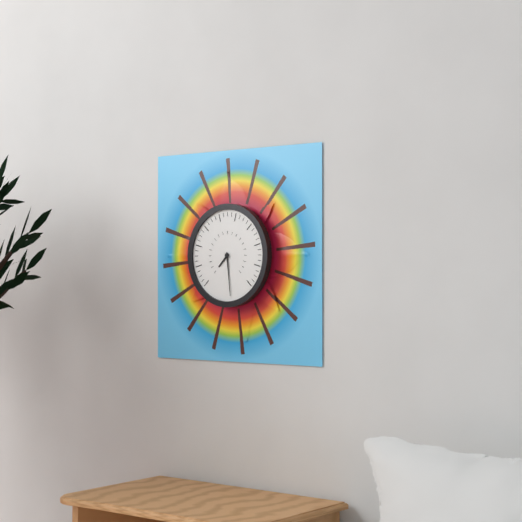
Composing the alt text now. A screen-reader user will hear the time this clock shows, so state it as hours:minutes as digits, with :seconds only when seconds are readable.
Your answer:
7:29
